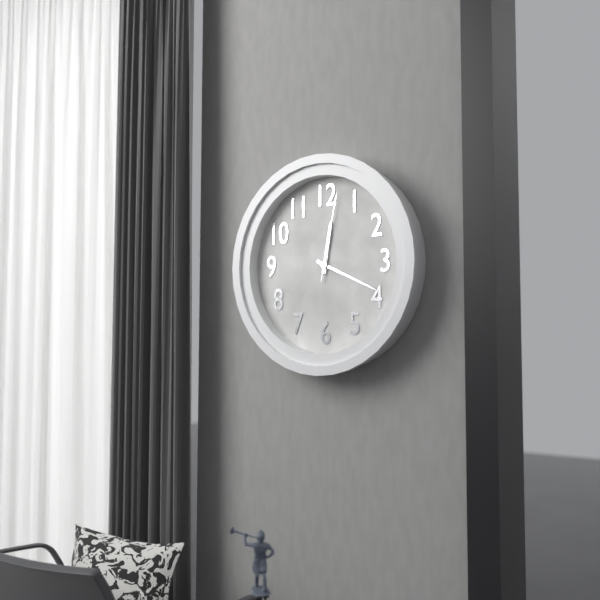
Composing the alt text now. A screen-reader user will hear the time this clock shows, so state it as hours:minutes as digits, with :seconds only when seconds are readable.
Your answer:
12:19:02
